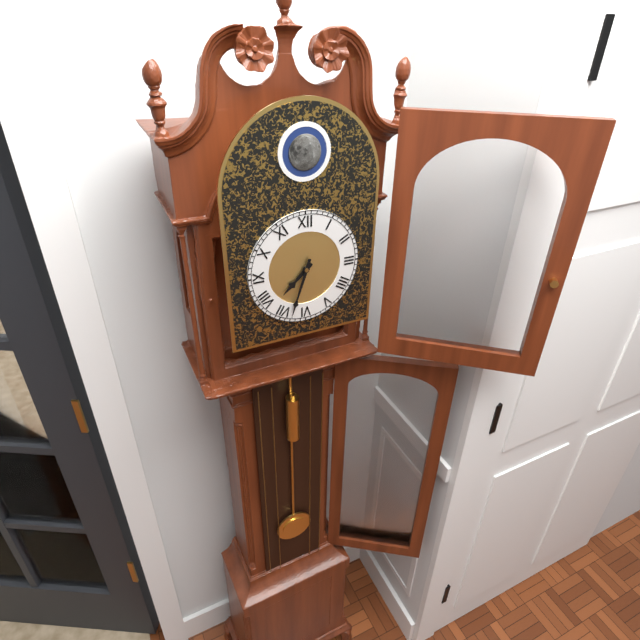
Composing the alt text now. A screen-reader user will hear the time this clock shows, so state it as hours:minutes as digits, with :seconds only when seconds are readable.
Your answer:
7:33
